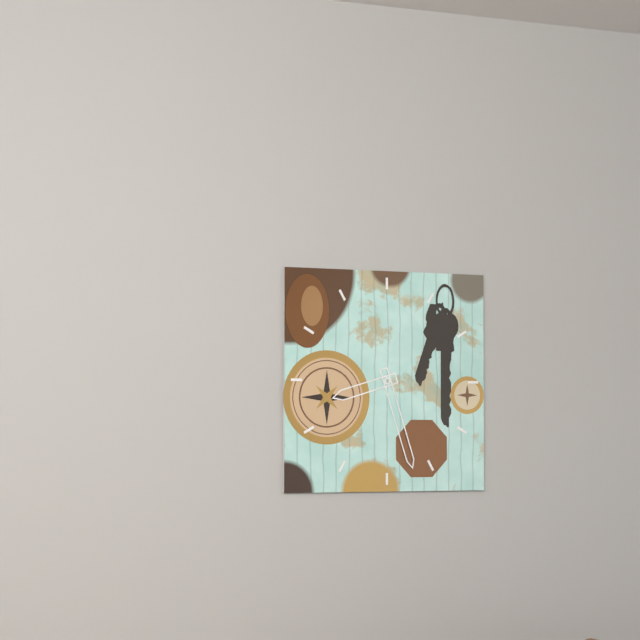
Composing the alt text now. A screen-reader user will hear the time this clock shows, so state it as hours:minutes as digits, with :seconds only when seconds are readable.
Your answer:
8:27
